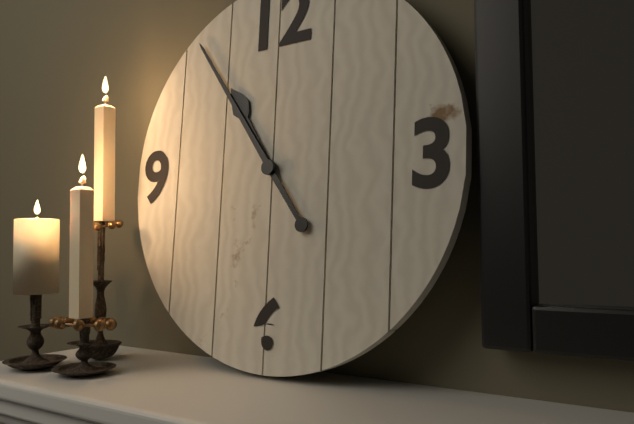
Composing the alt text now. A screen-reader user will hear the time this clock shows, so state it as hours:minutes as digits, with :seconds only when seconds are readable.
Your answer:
10:54
